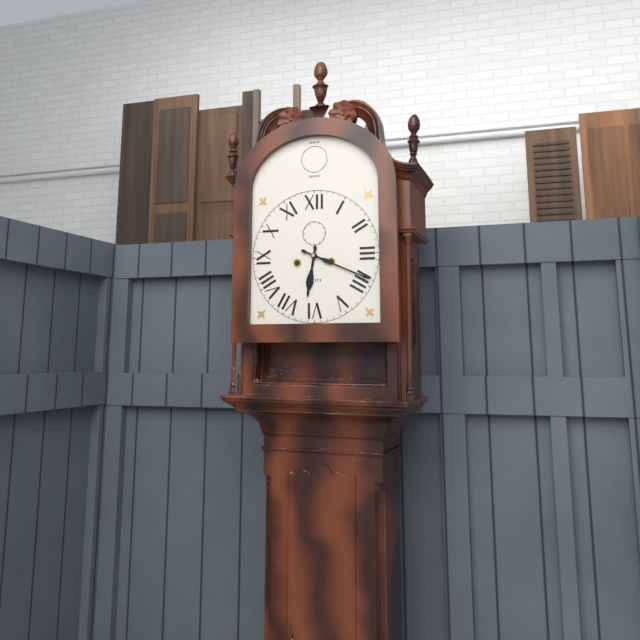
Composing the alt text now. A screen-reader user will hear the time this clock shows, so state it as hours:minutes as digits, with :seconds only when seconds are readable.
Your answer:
6:19
